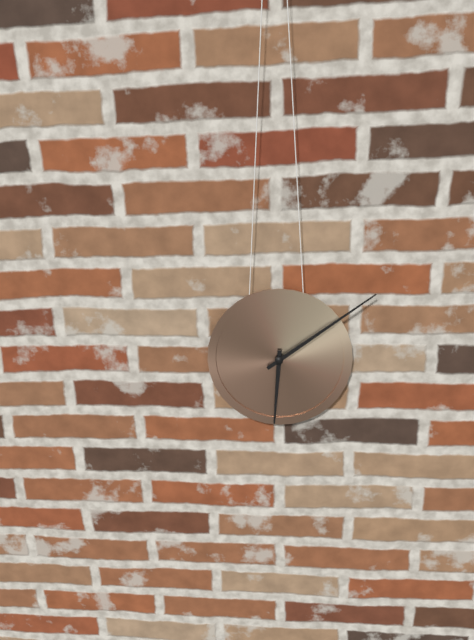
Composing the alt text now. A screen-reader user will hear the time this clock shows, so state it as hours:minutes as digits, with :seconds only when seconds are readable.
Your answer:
6:09
